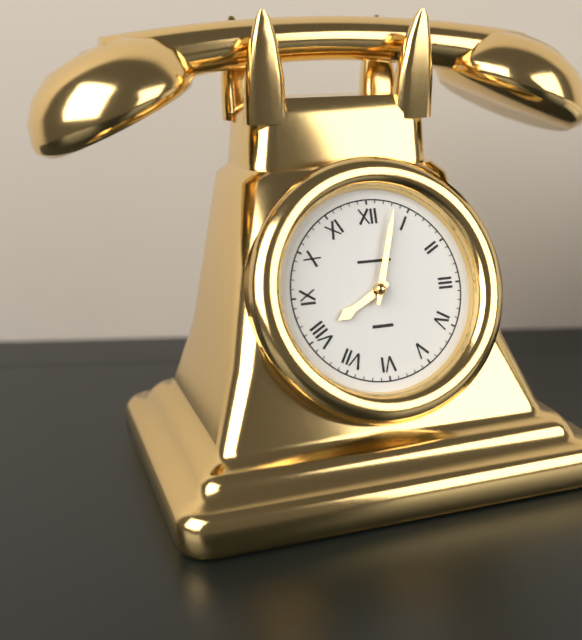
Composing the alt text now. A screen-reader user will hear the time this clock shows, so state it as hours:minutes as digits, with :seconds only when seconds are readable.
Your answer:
8:03
